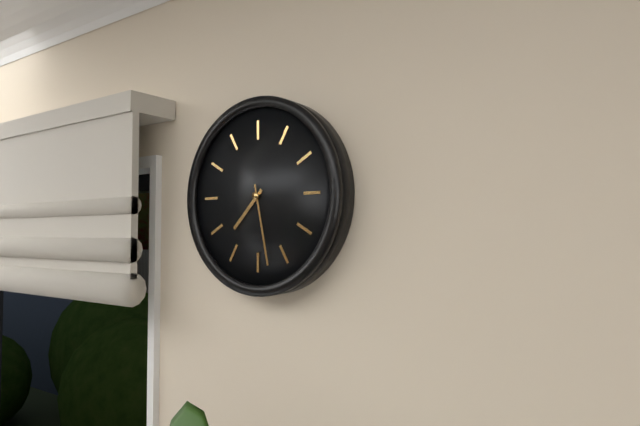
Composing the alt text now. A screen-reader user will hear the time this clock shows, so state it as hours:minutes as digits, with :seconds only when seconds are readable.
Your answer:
7:28
